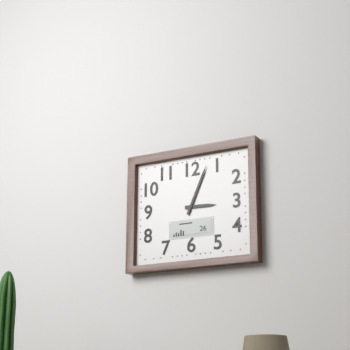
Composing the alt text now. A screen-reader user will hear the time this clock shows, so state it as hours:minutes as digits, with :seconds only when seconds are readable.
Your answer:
3:04
